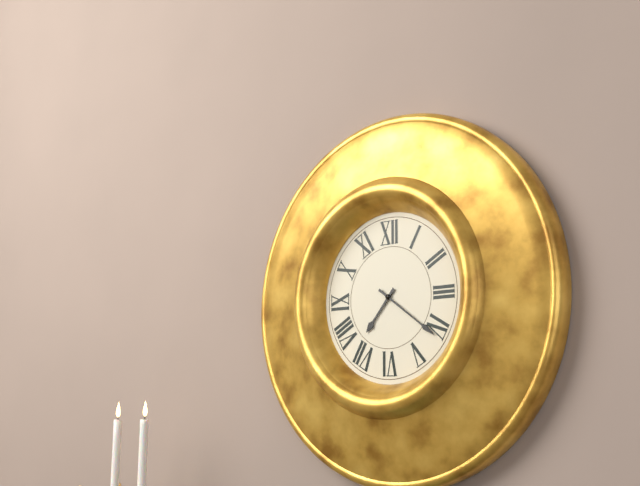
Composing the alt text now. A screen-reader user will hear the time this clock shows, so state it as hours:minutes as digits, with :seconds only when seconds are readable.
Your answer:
7:21
